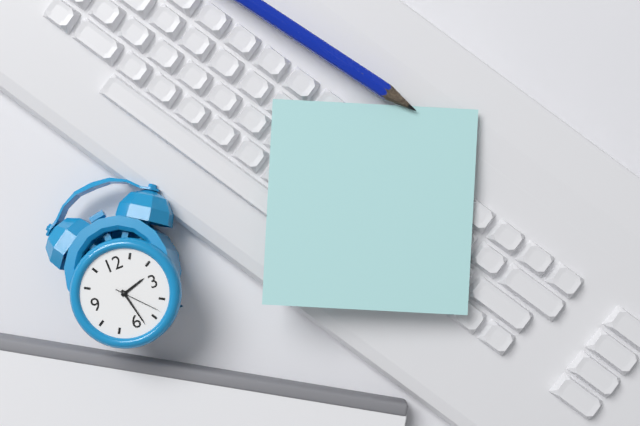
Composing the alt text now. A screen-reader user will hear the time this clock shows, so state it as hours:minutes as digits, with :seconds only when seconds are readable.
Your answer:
2:28:23
